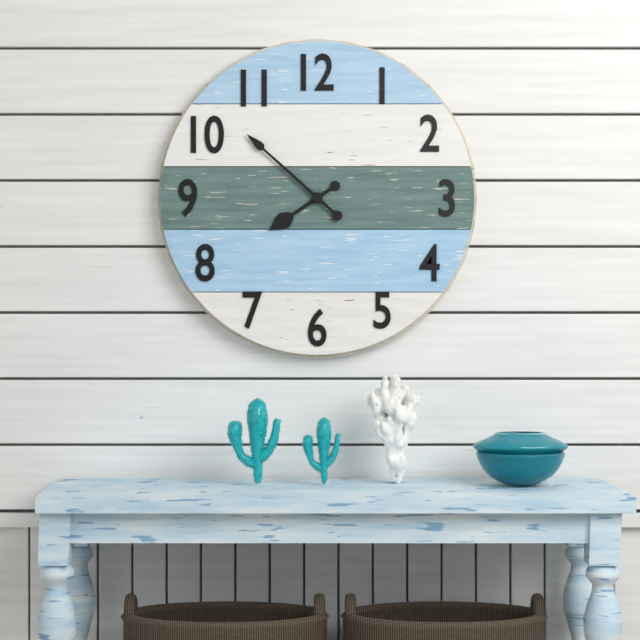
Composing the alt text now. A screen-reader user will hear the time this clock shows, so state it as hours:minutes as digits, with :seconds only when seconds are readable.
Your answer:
7:52
